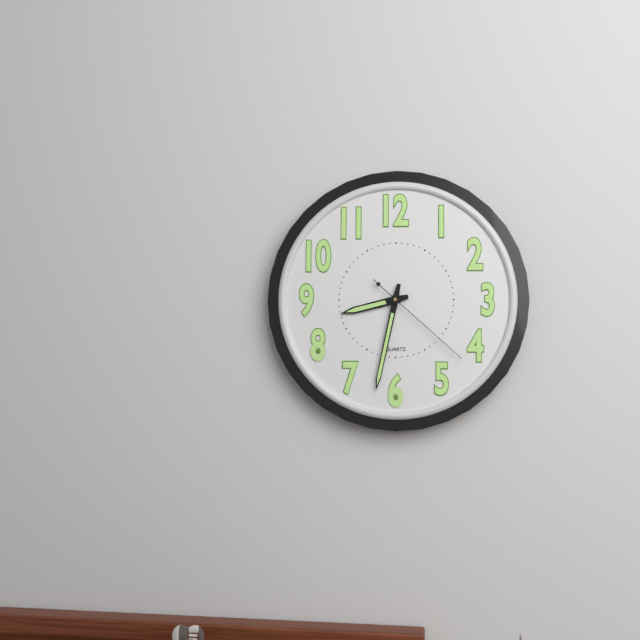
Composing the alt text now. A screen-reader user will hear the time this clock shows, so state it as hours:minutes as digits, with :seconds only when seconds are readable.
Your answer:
8:32:22
